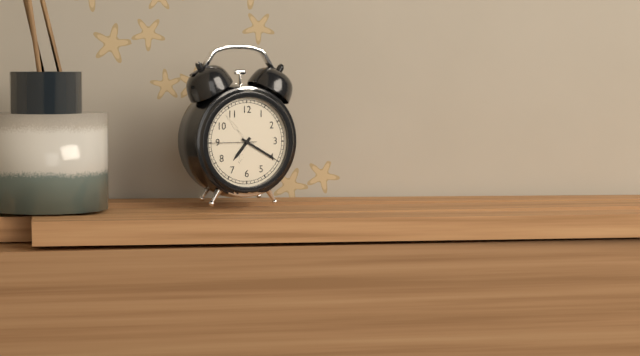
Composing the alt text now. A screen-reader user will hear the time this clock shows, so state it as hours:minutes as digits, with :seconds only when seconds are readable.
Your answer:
7:20
